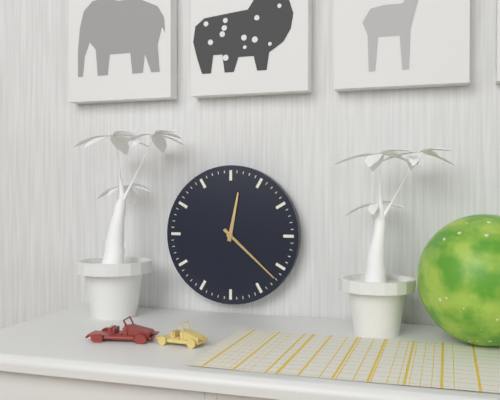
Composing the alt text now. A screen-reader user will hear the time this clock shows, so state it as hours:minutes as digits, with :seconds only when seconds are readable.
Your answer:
12:22
